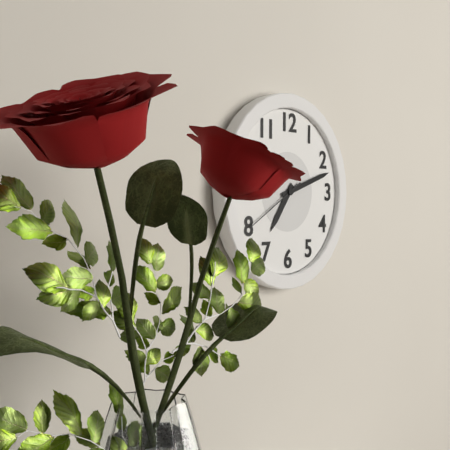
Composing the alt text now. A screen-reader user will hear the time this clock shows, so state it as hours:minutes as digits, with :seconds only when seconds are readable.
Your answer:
7:12:40
